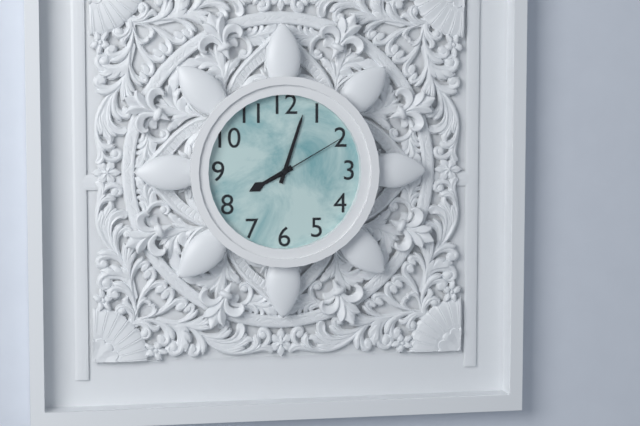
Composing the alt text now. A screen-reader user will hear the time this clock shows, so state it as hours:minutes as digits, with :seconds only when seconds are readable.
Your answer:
8:03:10
